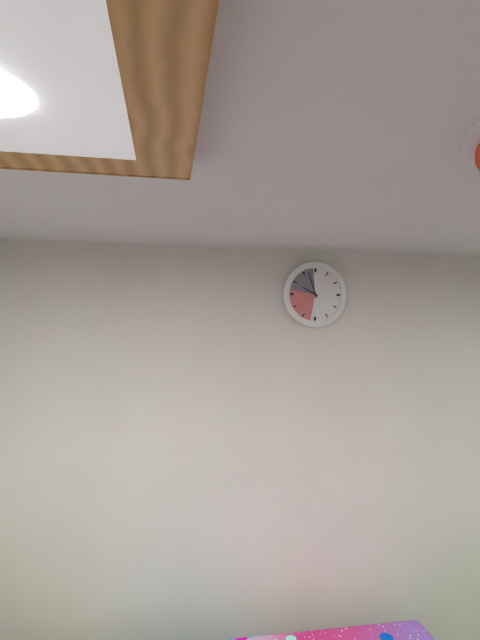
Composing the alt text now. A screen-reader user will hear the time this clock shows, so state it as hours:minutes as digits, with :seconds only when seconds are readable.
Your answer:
9:57
